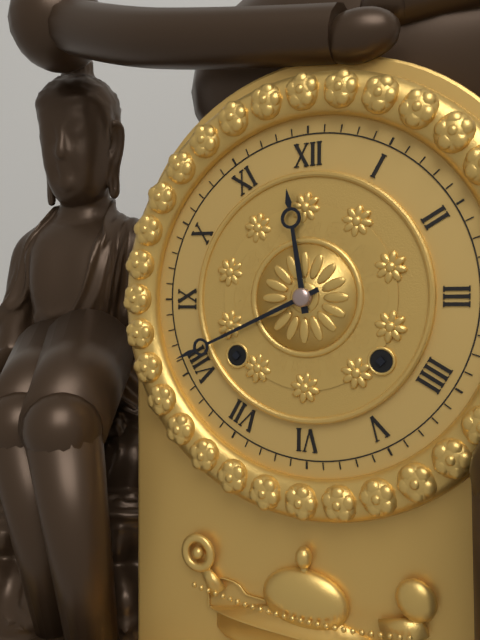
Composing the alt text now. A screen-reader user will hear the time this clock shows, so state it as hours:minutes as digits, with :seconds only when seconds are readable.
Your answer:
11:41
